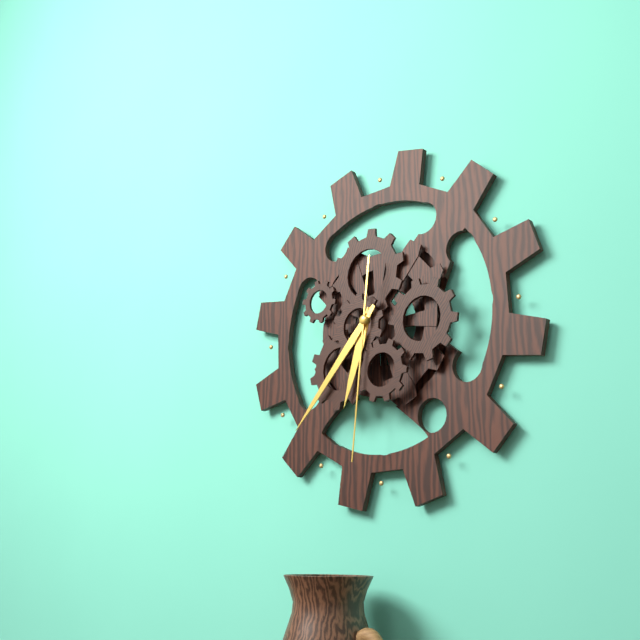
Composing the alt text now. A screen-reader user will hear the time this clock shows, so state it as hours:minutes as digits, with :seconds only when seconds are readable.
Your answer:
6:37:31
